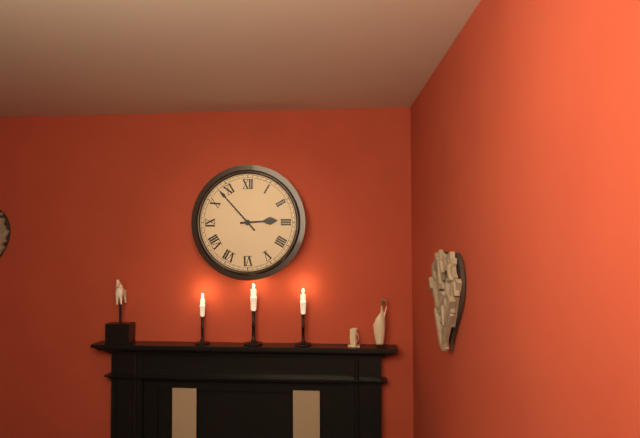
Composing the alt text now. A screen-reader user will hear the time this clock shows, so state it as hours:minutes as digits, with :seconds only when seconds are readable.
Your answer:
2:53
